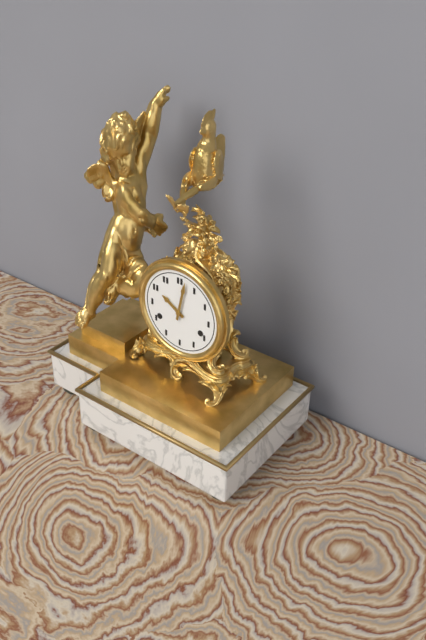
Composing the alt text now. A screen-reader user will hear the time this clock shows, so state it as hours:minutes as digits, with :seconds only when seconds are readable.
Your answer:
10:02
